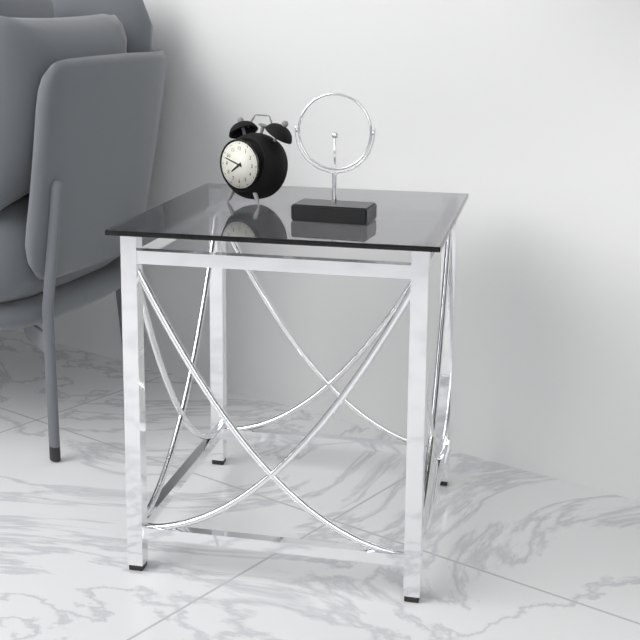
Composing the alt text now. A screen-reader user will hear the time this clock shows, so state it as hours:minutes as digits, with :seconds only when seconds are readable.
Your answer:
7:48
